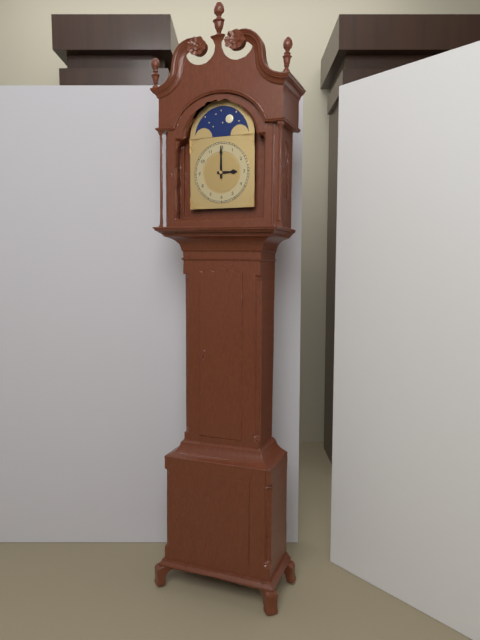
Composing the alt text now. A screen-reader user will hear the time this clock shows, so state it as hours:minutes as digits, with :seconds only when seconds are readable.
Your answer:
3:00
